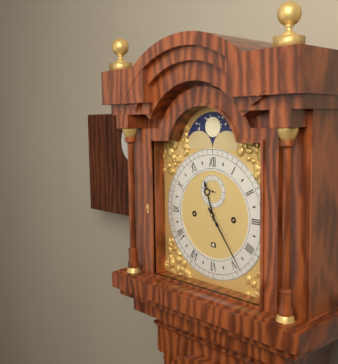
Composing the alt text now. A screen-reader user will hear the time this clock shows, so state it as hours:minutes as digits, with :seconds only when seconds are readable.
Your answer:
11:24
